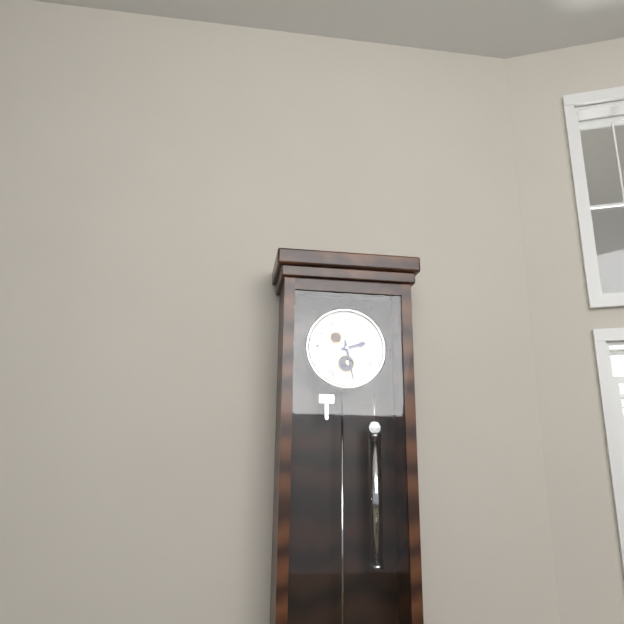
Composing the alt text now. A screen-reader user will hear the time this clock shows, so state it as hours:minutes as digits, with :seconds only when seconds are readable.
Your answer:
2:28
